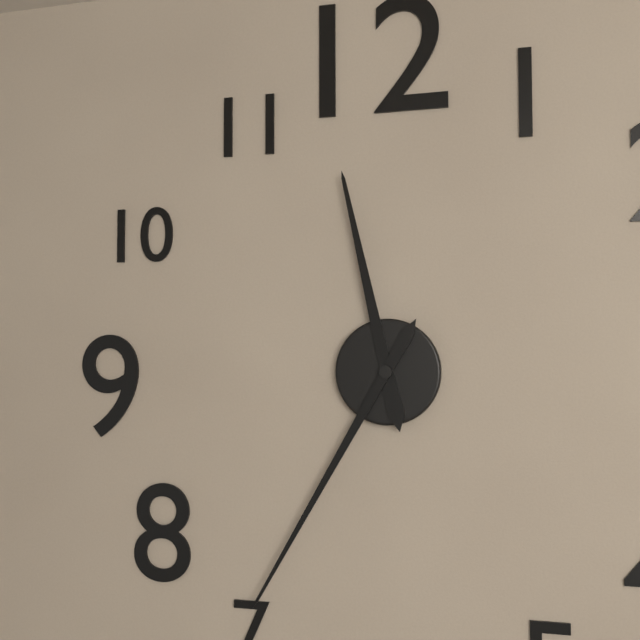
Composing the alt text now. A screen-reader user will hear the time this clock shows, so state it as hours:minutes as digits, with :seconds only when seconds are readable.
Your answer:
11:35
